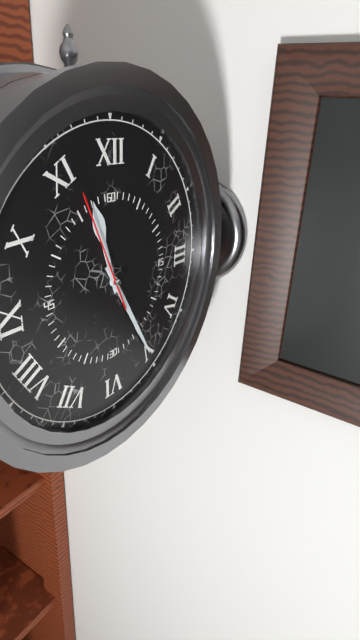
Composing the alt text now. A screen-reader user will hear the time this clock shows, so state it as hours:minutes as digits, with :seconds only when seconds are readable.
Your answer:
11:25:56
